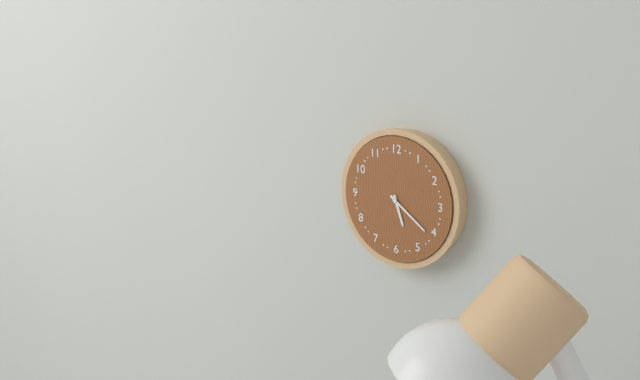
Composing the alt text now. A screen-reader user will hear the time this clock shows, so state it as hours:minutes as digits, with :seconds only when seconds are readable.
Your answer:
5:21
